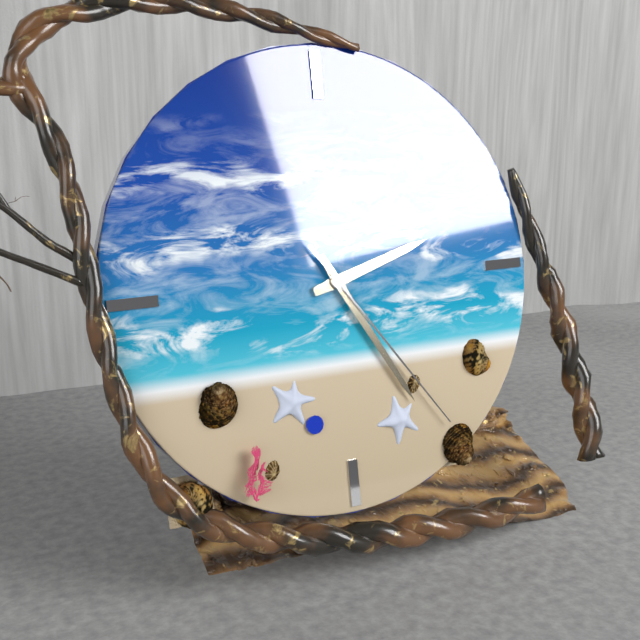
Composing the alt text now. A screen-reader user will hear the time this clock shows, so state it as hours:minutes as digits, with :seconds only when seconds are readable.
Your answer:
2:25:24
